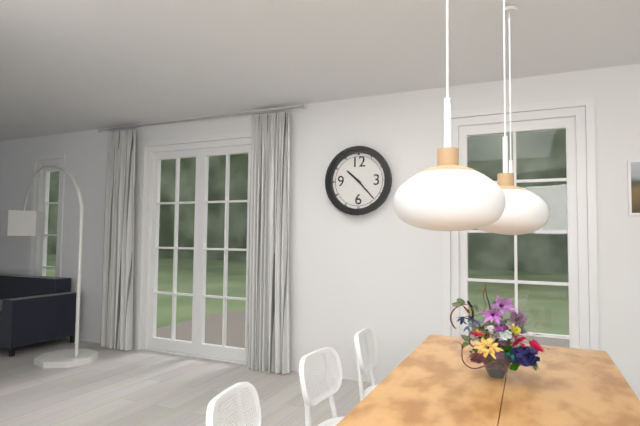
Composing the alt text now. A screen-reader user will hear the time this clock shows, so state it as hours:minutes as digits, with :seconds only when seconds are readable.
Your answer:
10:23
